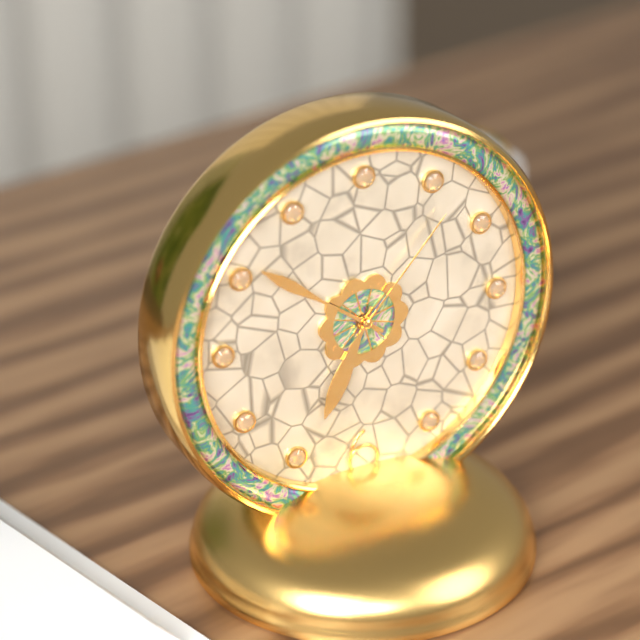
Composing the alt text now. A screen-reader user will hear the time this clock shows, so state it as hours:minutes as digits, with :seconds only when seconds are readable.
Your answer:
6:51:07
